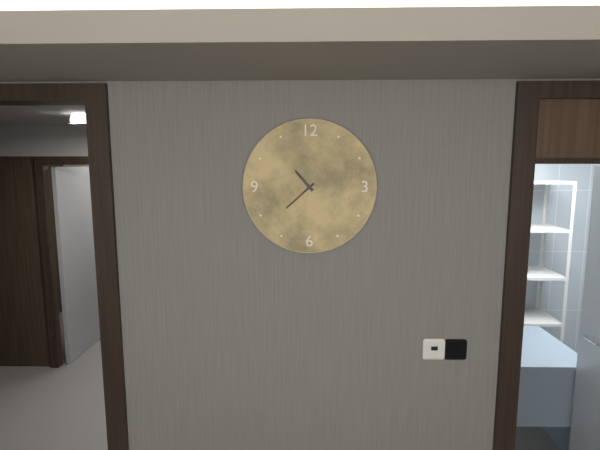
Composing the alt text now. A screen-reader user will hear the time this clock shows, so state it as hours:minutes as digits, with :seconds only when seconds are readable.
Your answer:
10:38
